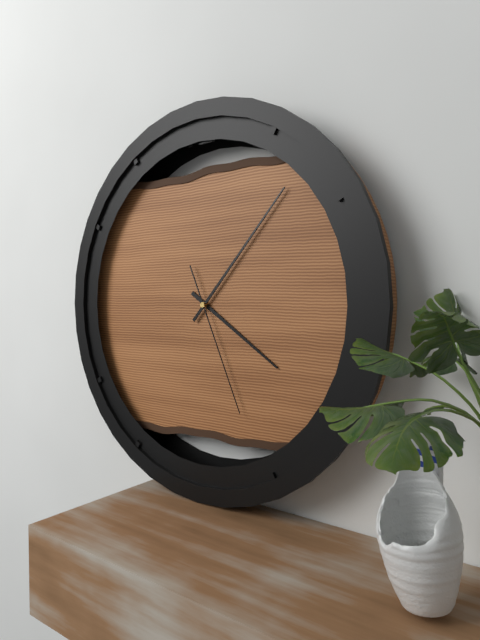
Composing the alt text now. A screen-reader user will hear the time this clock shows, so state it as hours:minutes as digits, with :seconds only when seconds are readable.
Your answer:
4:07:26
